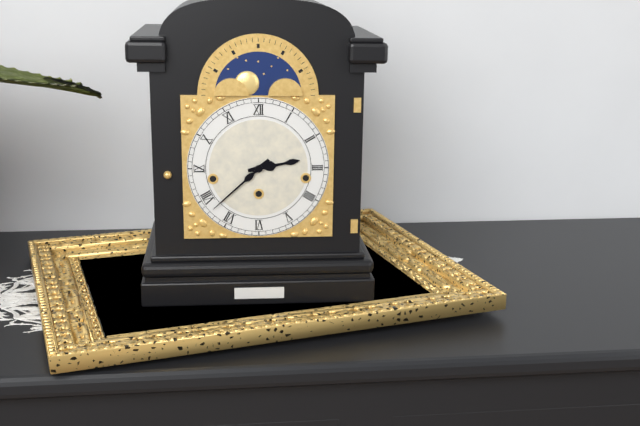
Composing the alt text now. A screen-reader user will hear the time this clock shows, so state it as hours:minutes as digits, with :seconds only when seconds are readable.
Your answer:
2:38
